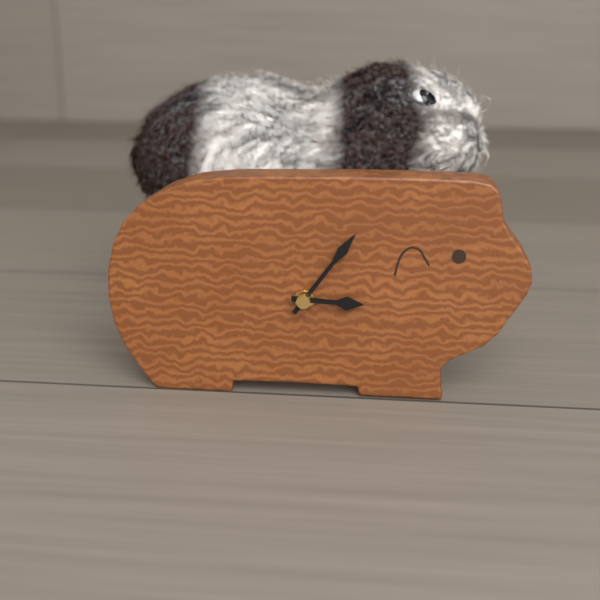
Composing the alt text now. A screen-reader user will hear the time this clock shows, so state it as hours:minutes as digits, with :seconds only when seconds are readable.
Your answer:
3:06
